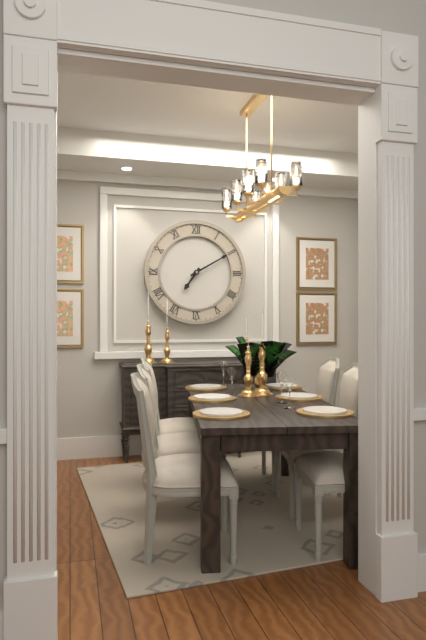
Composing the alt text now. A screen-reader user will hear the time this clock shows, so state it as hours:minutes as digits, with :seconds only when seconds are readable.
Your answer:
7:10
